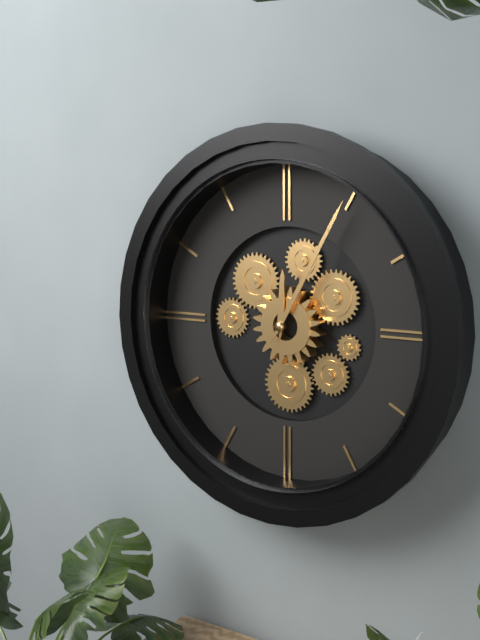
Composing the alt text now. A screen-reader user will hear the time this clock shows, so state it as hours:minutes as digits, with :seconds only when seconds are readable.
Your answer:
12:05
